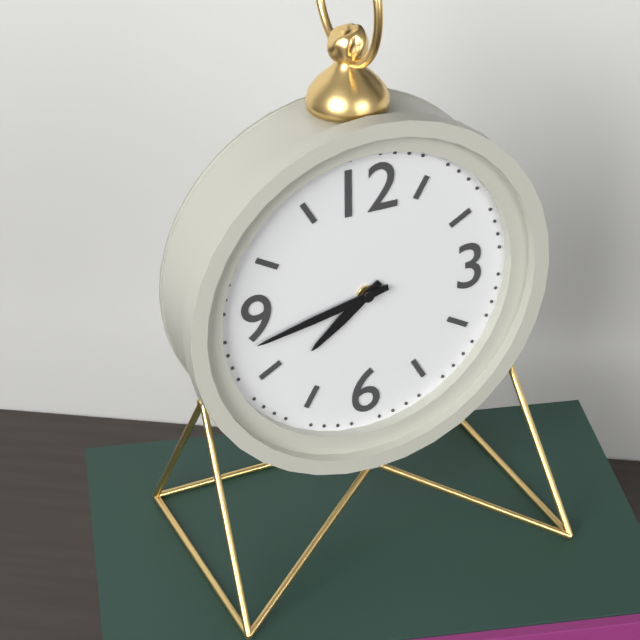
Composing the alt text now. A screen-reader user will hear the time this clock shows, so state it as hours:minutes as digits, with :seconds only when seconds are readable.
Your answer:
7:43
